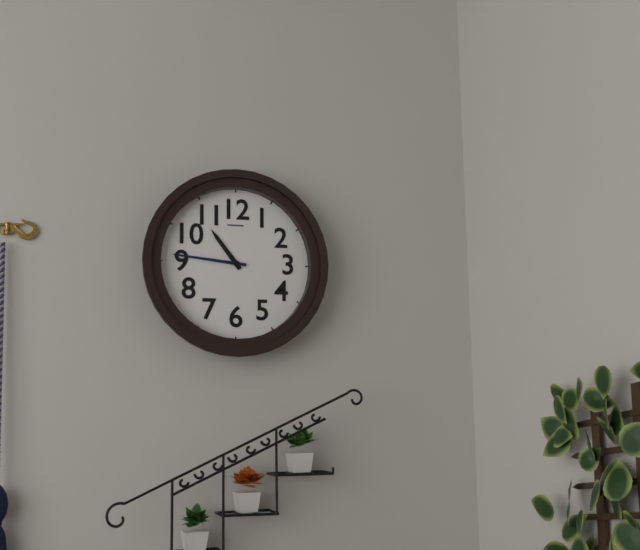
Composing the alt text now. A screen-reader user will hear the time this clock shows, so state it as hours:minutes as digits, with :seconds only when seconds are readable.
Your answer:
10:46
